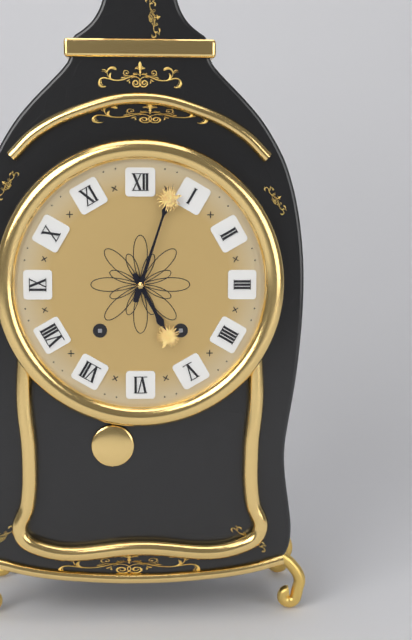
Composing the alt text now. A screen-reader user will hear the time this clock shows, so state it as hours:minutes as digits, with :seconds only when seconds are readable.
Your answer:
5:03
